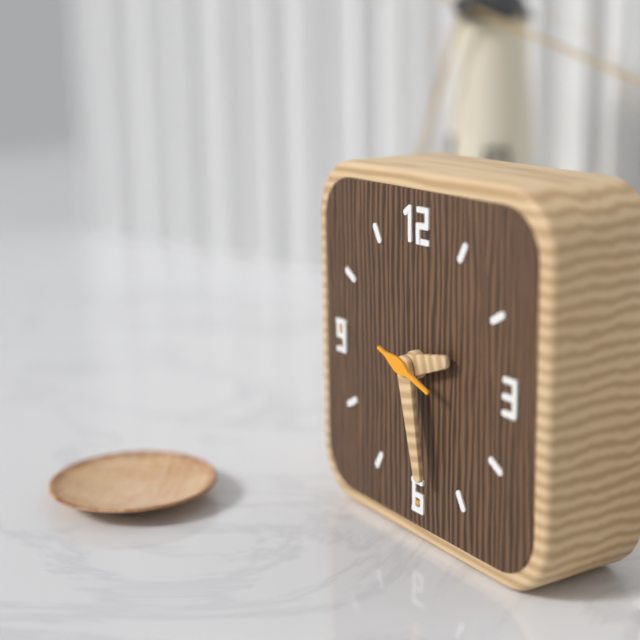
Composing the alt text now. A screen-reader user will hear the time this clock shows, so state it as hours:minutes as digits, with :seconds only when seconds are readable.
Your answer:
2:28:18
